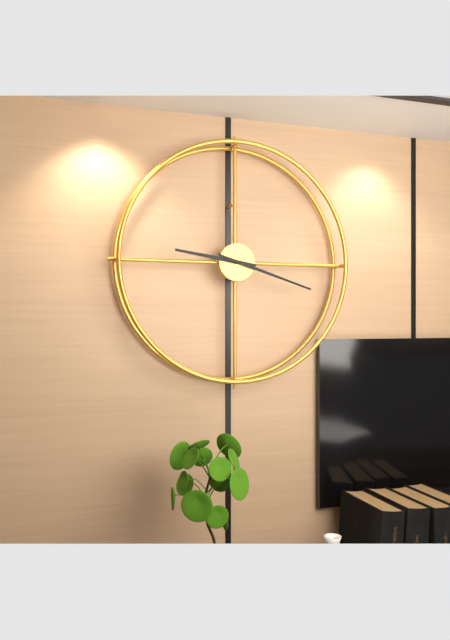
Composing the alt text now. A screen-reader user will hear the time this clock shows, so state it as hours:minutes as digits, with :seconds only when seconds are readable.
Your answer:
9:18
